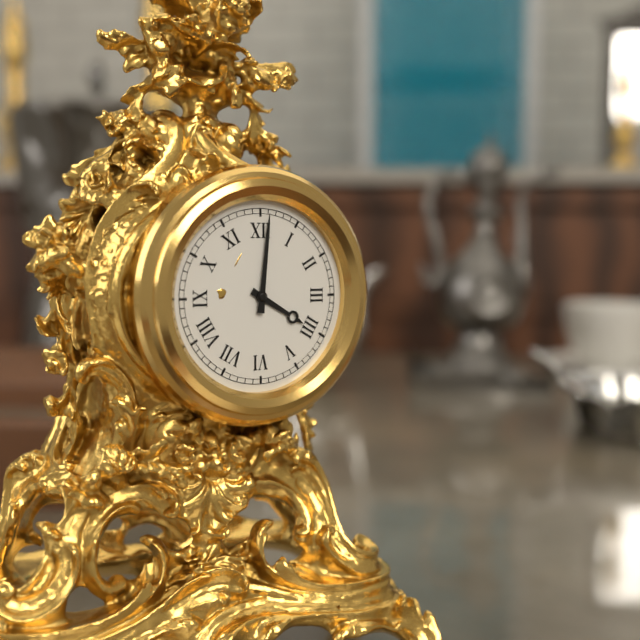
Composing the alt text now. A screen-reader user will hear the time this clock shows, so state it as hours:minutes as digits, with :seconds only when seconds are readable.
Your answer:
4:01
